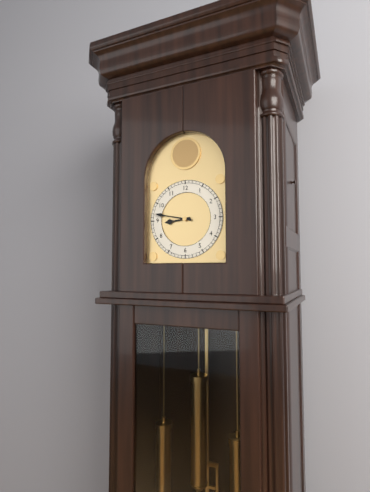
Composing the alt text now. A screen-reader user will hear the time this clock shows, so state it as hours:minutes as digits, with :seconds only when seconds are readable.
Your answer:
8:47
